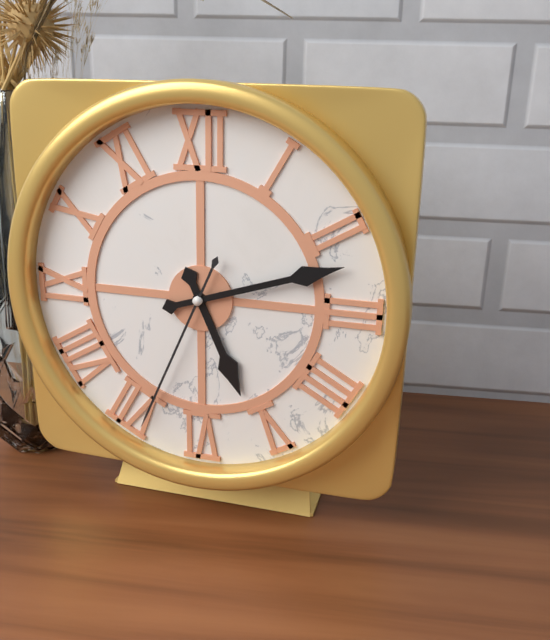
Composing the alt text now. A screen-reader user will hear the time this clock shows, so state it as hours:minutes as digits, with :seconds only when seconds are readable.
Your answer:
5:12:34
